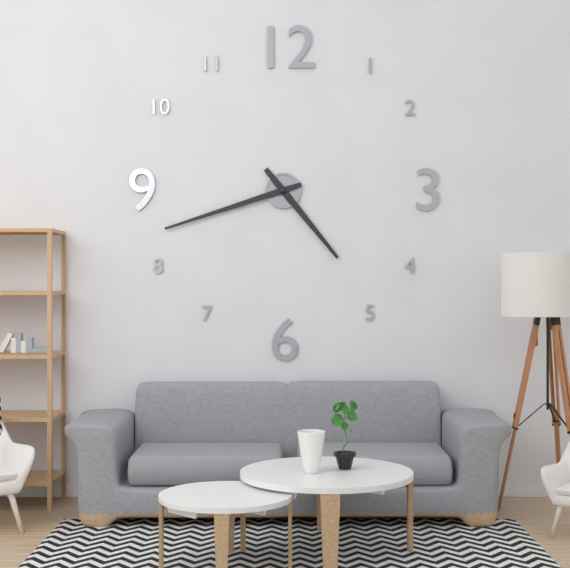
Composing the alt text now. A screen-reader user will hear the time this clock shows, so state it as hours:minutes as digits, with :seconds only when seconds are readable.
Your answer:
4:42
